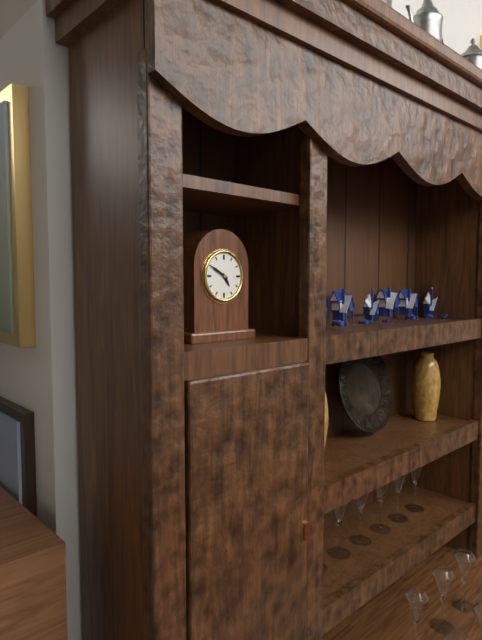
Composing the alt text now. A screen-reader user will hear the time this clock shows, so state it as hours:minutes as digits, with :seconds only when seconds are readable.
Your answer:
4:50
